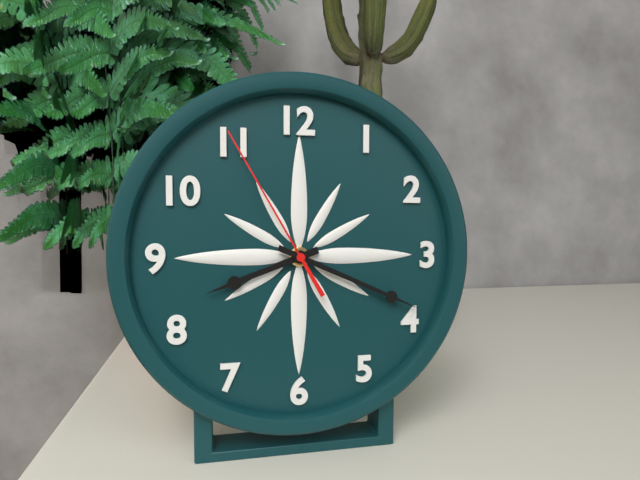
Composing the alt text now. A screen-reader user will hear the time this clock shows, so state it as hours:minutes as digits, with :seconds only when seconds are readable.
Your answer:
8:19:55
